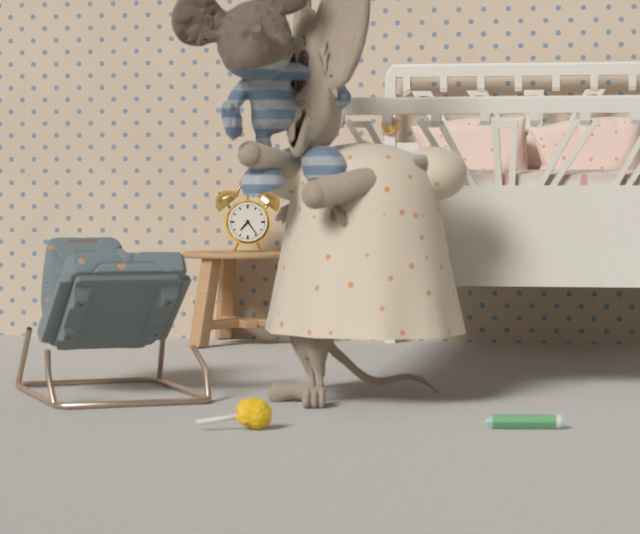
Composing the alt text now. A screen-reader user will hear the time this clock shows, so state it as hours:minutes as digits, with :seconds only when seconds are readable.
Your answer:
7:24
